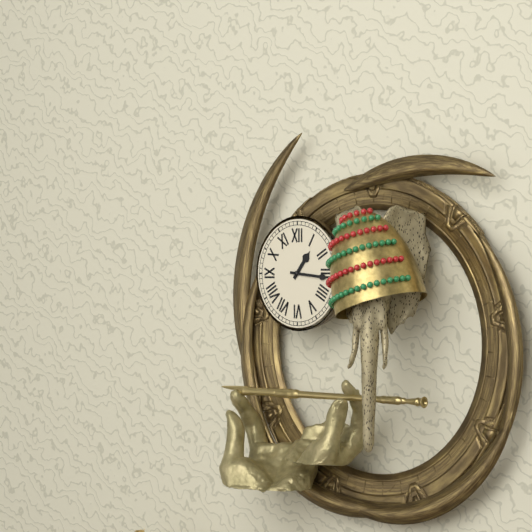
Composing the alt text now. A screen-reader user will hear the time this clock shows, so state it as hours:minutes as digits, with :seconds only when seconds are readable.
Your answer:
1:16
